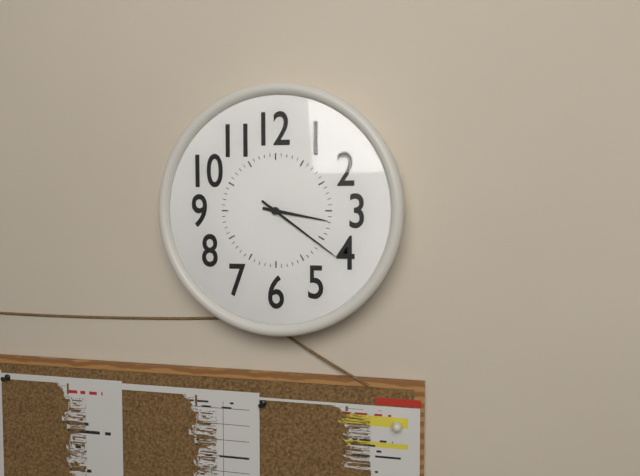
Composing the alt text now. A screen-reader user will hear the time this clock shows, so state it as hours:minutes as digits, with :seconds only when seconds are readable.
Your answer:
3:21
